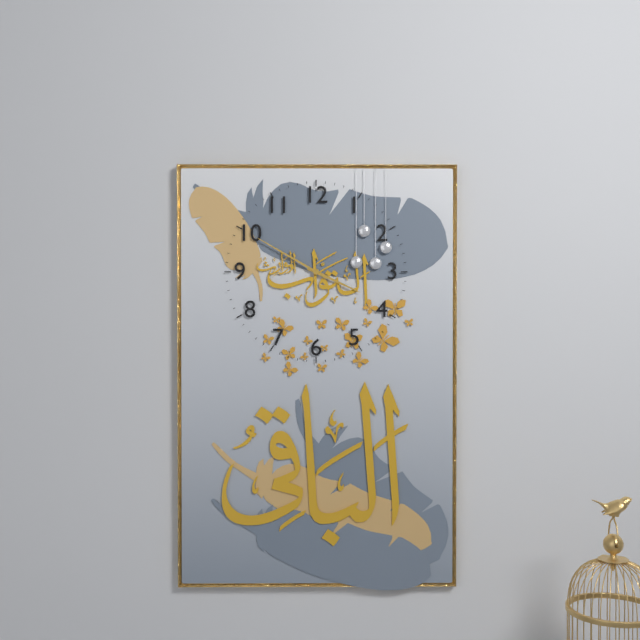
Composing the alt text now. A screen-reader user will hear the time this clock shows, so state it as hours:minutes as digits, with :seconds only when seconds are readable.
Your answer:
3:50
